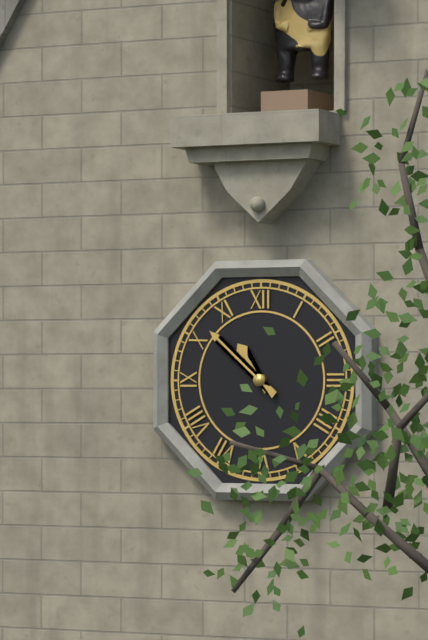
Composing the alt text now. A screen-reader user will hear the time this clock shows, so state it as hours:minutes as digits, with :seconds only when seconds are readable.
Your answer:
10:52
